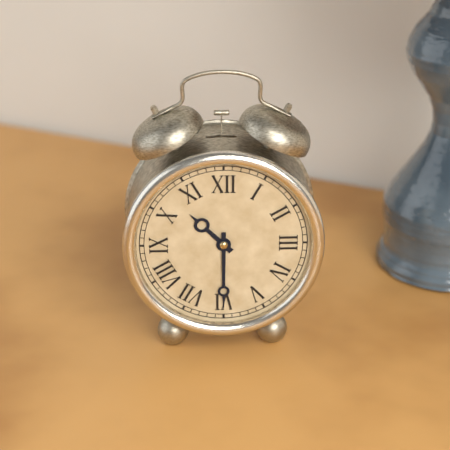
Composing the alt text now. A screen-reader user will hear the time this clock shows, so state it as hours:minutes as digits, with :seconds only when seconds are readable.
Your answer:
10:30
